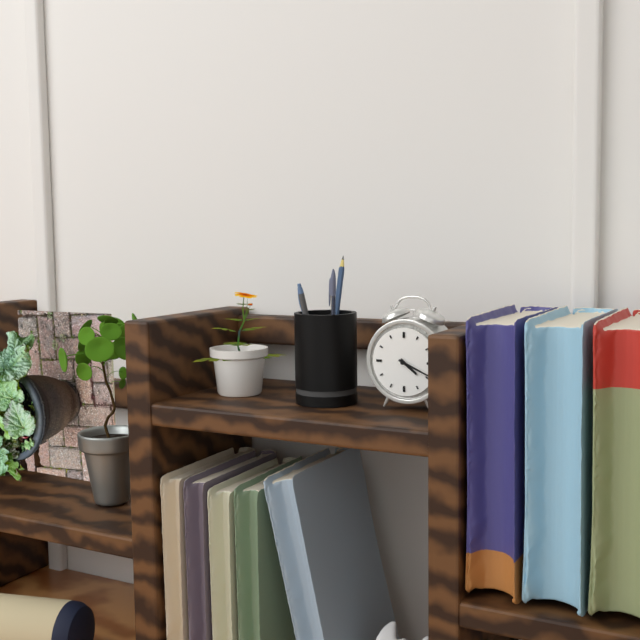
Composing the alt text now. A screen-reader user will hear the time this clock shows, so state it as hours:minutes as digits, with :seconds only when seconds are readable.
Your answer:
4:19
